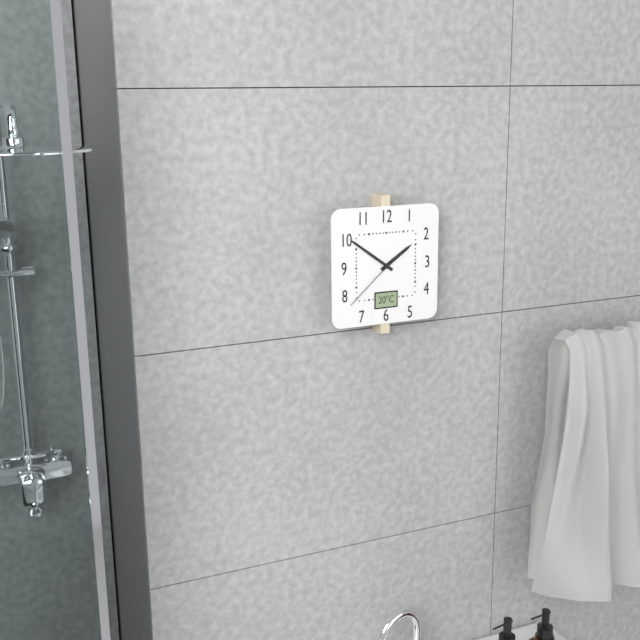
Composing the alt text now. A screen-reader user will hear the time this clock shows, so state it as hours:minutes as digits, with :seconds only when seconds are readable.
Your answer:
1:51:38
